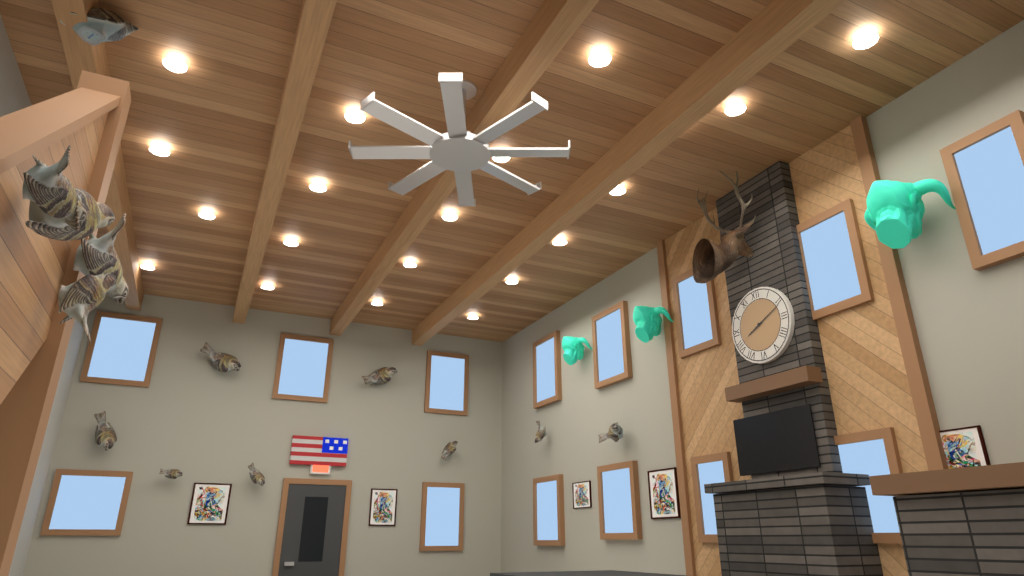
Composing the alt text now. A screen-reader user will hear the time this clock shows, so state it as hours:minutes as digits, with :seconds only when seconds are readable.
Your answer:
8:11
